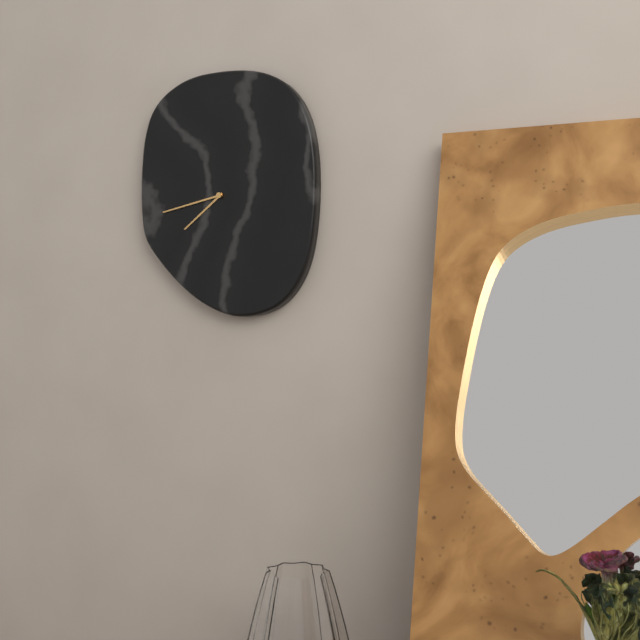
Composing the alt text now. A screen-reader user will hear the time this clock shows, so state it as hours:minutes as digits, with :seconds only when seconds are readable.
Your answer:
7:43
